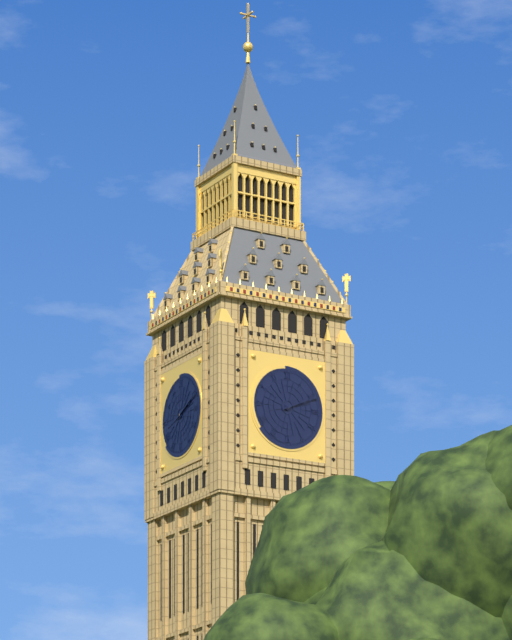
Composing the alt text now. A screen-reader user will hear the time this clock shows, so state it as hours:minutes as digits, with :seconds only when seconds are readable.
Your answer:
2:11
